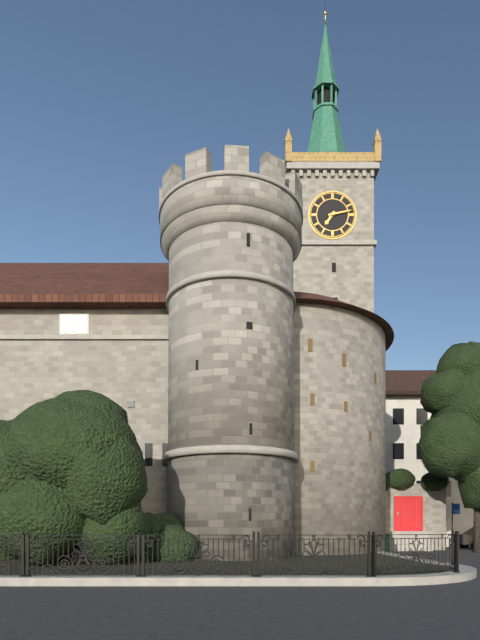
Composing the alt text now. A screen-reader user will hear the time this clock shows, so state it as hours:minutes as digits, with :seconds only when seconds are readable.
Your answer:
7:13
